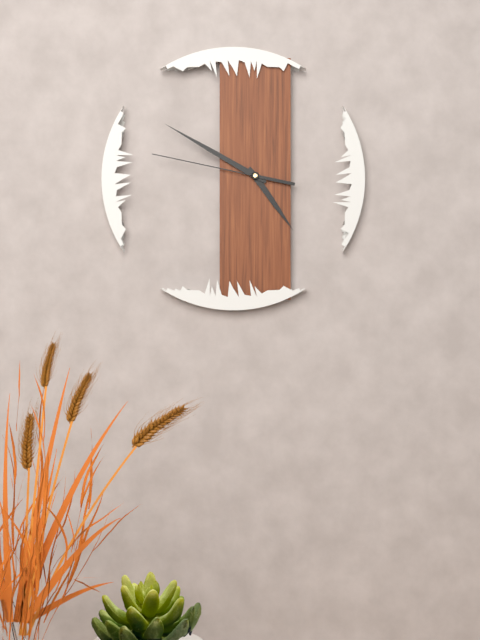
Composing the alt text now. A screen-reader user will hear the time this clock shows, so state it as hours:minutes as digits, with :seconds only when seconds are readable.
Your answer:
4:50:47
